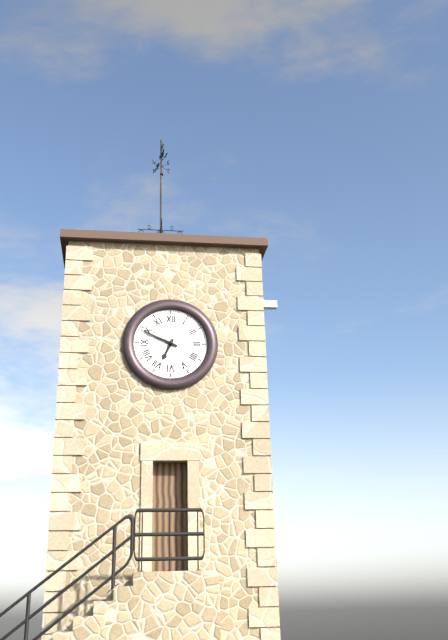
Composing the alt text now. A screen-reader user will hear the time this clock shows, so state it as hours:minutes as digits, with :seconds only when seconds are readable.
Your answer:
6:49
